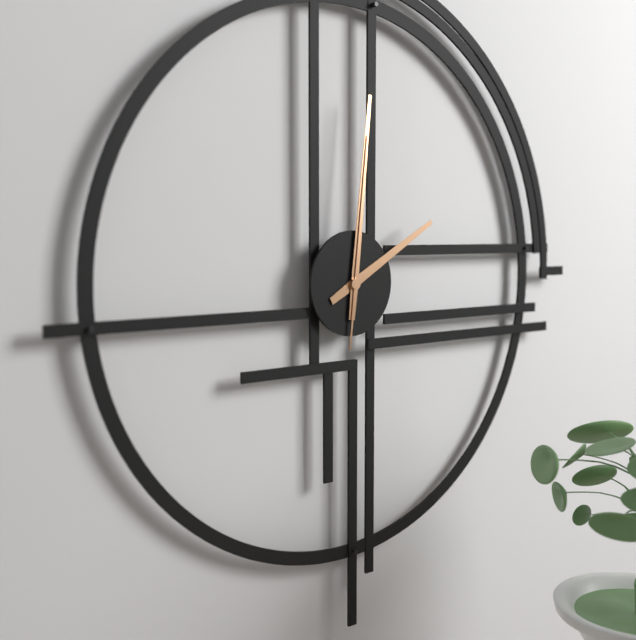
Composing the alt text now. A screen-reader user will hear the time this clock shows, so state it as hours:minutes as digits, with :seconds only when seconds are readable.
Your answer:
2:01:01
